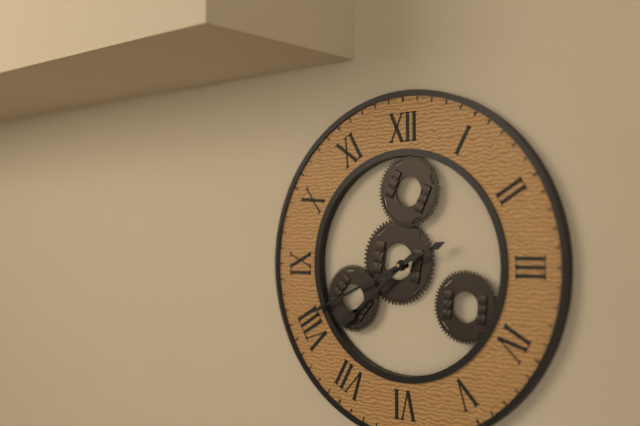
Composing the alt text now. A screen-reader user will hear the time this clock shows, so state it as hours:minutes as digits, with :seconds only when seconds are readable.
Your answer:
7:41
